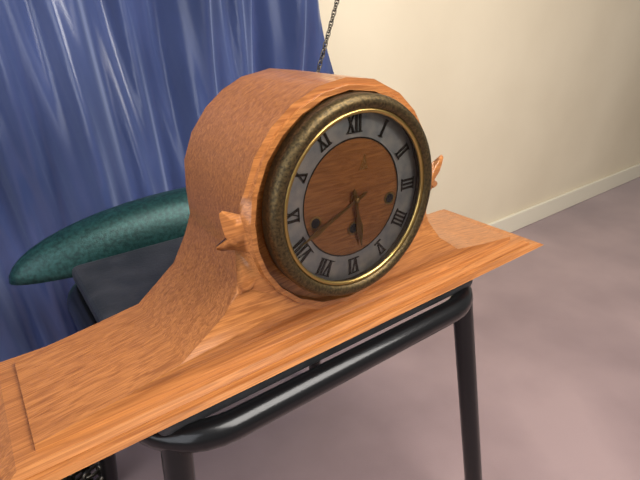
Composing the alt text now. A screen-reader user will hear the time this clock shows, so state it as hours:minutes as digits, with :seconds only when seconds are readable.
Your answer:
5:41
